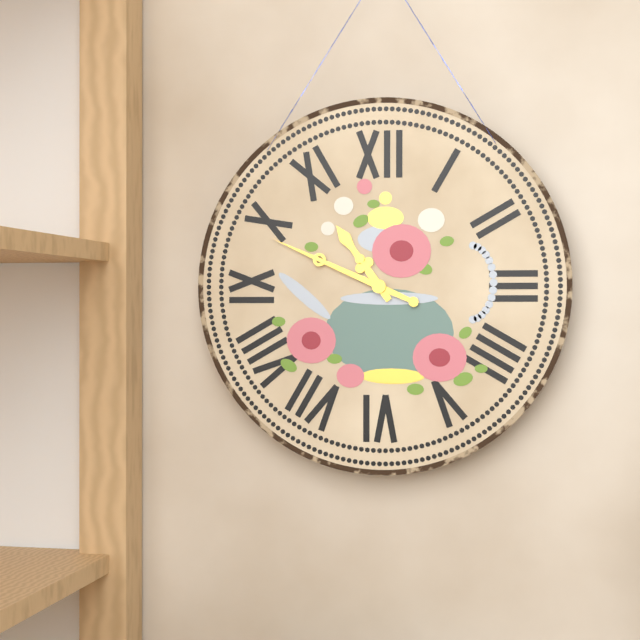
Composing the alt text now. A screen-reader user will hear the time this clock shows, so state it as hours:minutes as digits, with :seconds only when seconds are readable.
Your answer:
10:49
